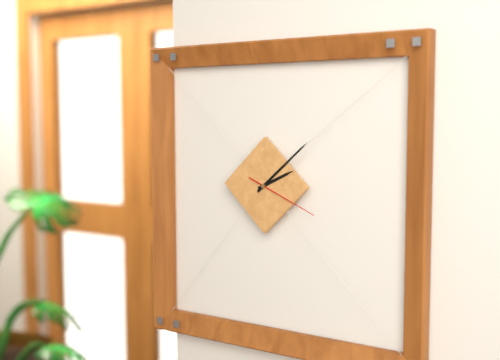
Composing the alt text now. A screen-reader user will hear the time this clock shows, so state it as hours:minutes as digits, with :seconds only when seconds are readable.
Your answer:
2:08:19
